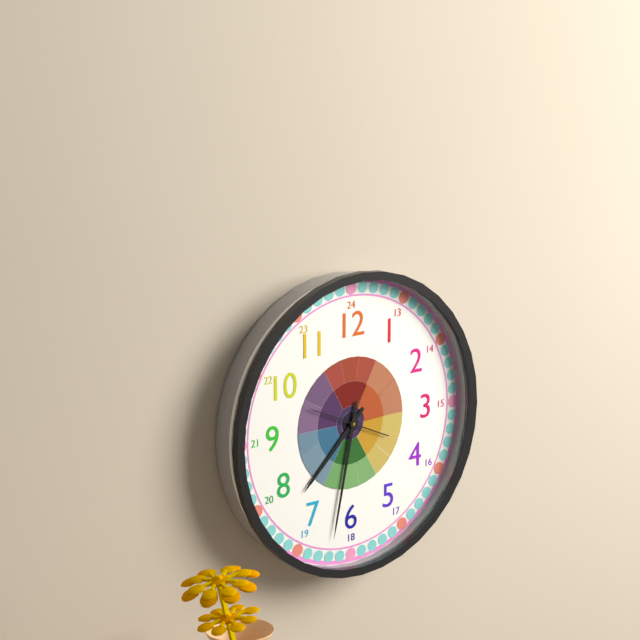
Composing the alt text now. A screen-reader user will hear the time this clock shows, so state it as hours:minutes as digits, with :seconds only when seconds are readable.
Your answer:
7:32
